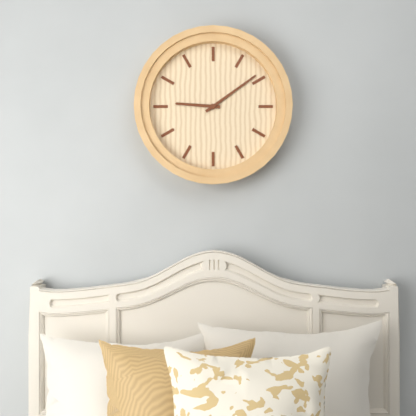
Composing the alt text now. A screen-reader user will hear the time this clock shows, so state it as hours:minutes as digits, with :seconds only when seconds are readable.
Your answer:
9:09
